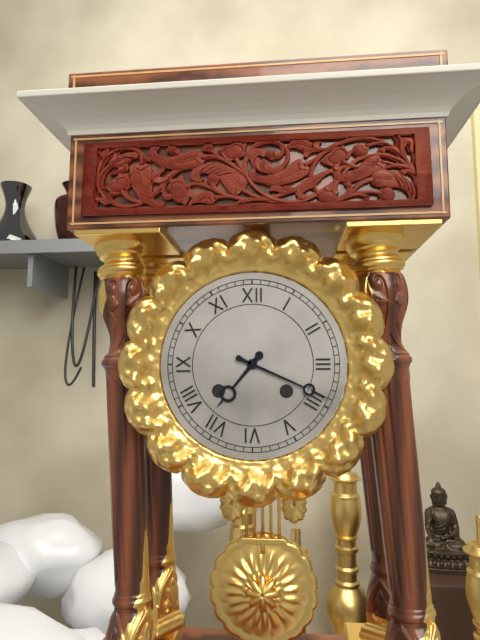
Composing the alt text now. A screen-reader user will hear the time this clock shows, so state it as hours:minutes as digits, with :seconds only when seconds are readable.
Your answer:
7:19
